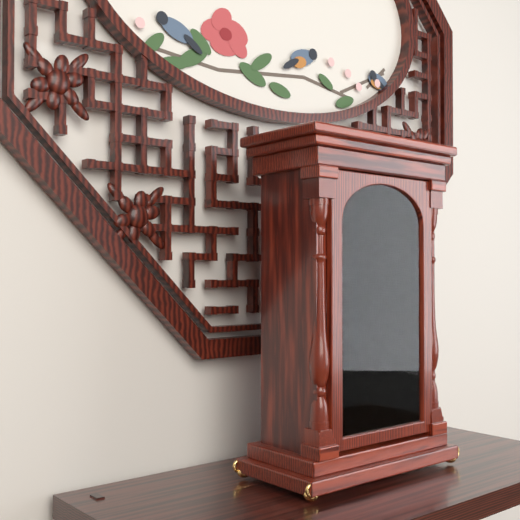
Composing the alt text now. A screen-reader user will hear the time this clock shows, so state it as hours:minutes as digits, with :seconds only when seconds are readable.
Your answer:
6:43
